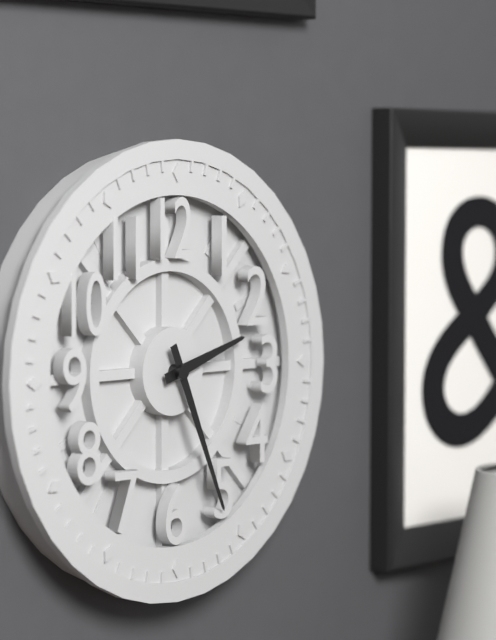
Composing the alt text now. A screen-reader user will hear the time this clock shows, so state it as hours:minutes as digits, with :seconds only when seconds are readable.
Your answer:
2:26
